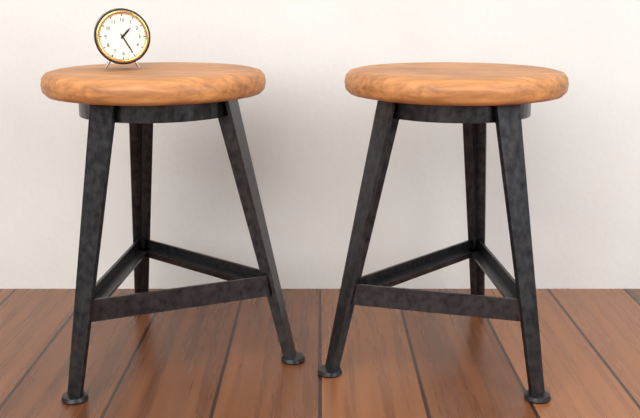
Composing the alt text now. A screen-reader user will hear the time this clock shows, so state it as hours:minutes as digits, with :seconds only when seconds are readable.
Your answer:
1:25
